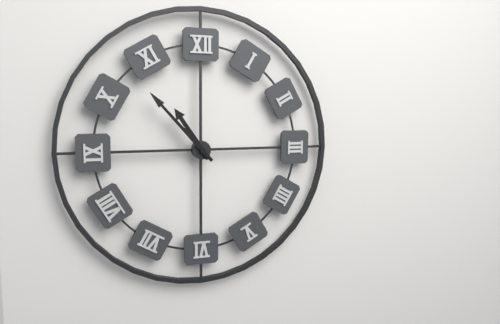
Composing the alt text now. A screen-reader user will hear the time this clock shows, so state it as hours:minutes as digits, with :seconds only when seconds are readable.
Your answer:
10:53
